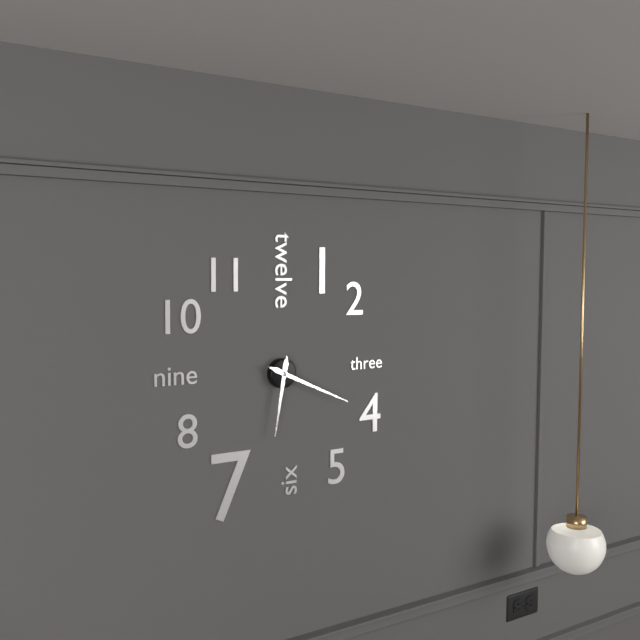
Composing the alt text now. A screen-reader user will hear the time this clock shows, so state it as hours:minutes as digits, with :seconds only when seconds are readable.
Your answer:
6:19
